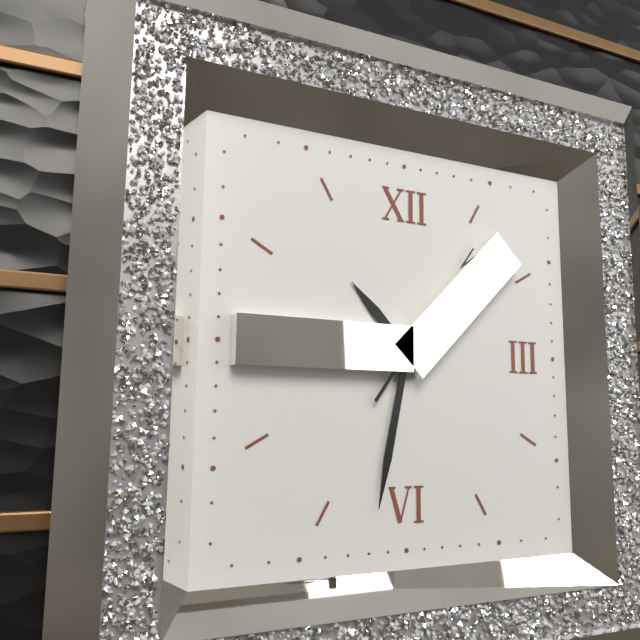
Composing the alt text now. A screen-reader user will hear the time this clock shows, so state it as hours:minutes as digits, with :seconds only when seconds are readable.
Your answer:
10:32:06
